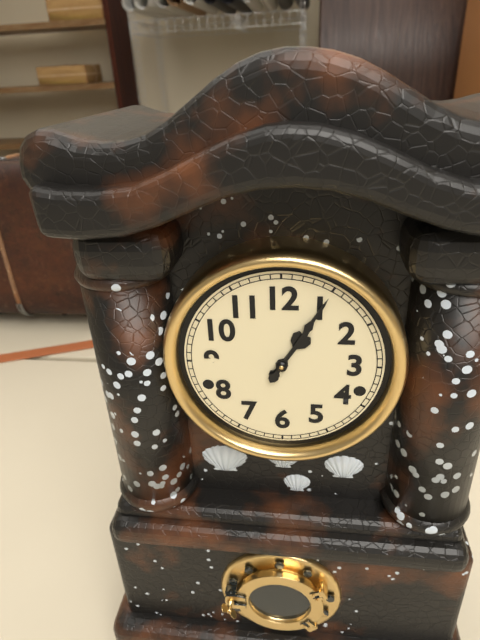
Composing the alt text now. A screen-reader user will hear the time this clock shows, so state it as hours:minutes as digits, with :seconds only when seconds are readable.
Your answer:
1:05
